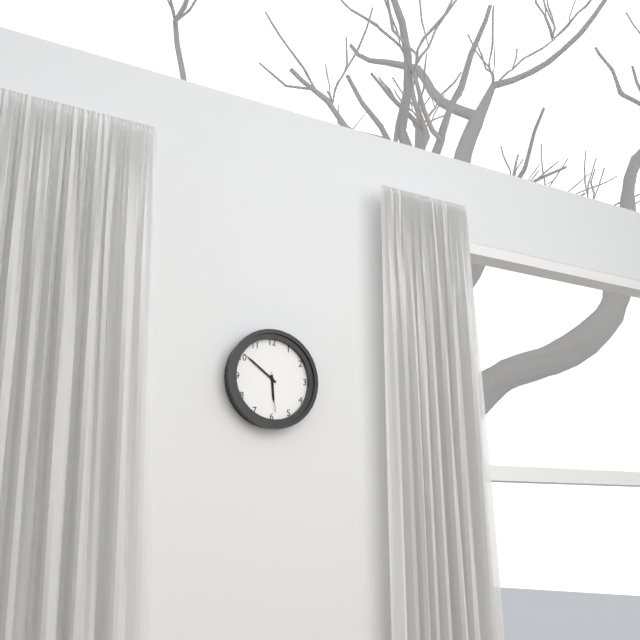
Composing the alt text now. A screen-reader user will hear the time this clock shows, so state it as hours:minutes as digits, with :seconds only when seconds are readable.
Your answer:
5:51
